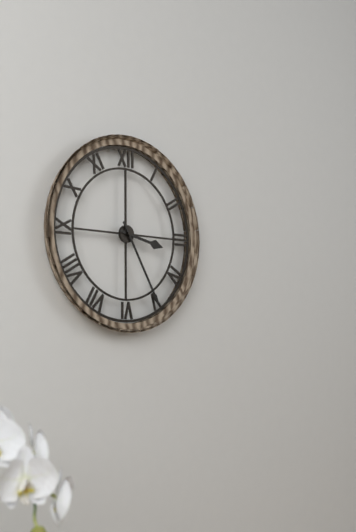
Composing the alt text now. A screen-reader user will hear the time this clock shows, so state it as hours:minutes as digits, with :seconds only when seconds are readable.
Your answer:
3:25
